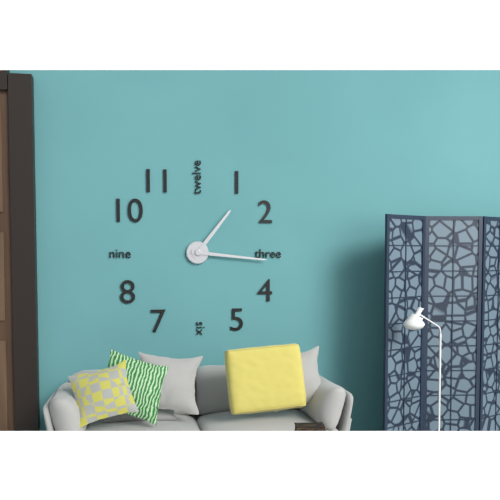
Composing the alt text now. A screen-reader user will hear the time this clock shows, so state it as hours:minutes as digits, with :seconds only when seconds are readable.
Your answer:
1:16
